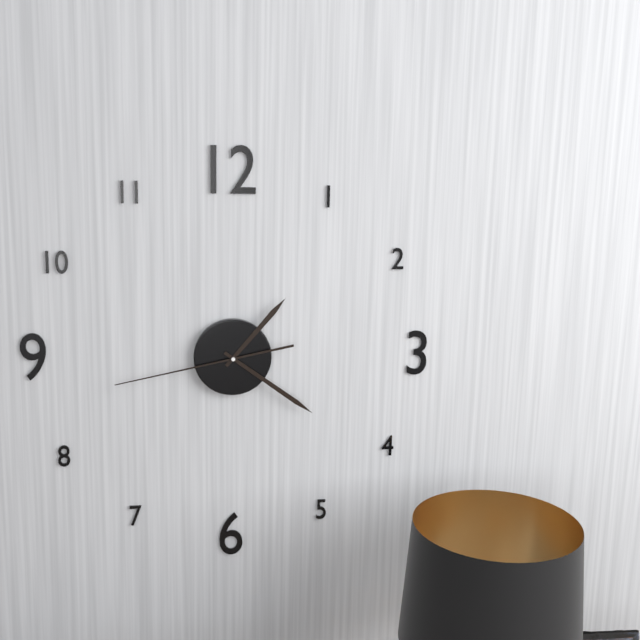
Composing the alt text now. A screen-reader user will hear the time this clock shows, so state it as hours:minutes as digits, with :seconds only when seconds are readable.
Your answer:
1:21:43
